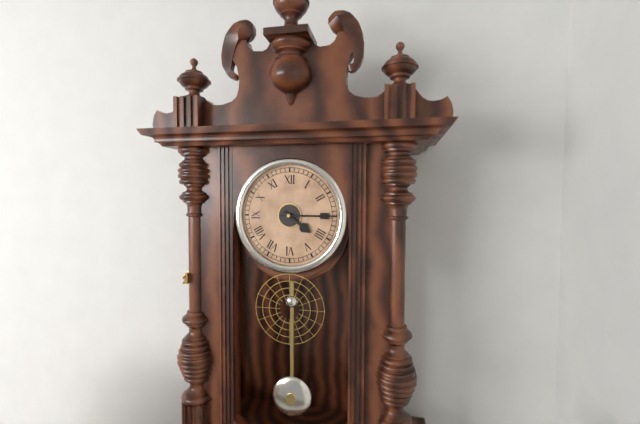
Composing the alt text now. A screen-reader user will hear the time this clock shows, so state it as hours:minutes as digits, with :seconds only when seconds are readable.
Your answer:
4:15
